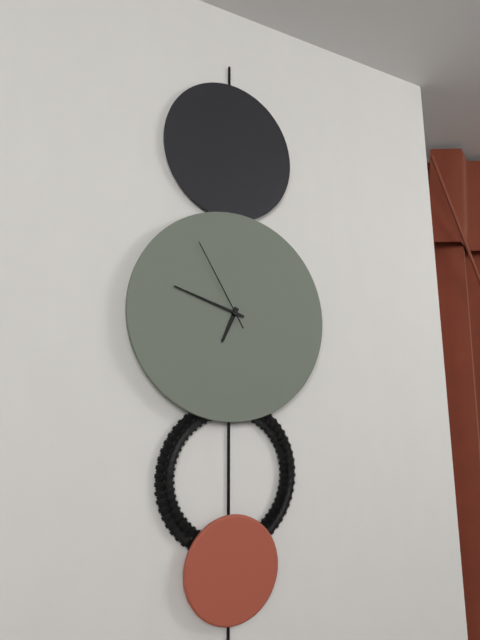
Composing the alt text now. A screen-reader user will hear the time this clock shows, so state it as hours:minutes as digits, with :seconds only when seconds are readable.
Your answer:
6:48:55
